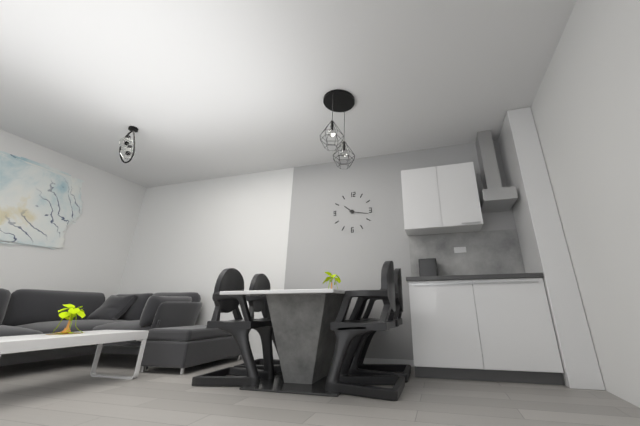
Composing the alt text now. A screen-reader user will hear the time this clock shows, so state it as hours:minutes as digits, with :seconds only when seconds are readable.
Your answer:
10:17
